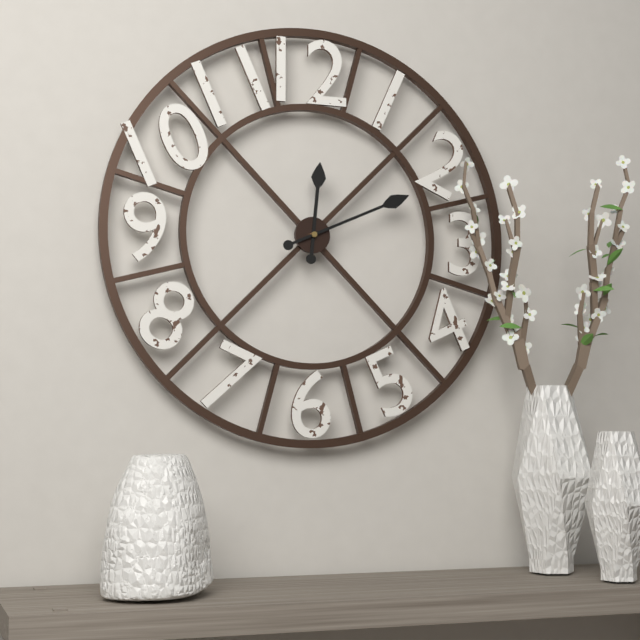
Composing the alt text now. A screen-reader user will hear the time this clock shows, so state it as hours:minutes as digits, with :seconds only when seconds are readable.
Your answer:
12:11
